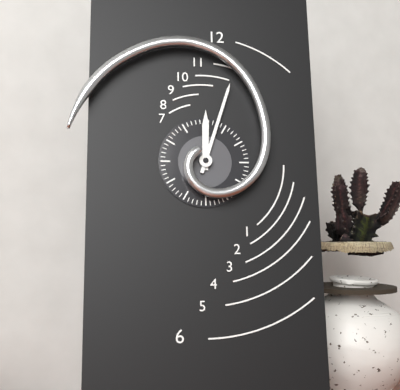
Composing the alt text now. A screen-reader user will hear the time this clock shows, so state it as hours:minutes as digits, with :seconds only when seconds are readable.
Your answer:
12:03
